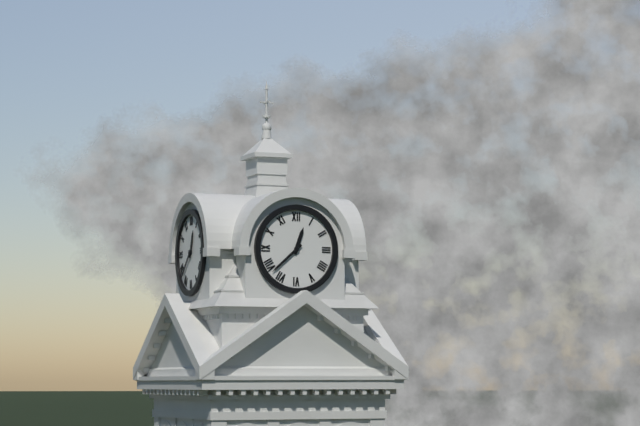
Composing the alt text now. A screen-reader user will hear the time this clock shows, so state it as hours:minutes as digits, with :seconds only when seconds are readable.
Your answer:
12:38
